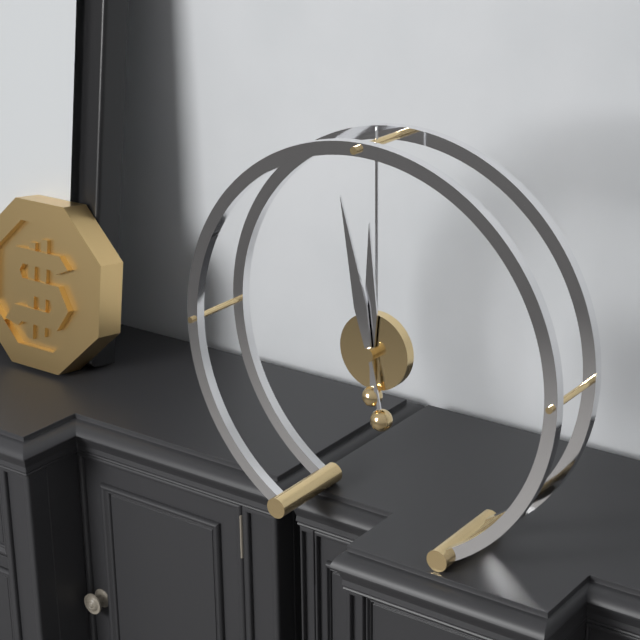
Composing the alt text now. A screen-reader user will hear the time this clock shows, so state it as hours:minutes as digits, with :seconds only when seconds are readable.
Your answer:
11:58
